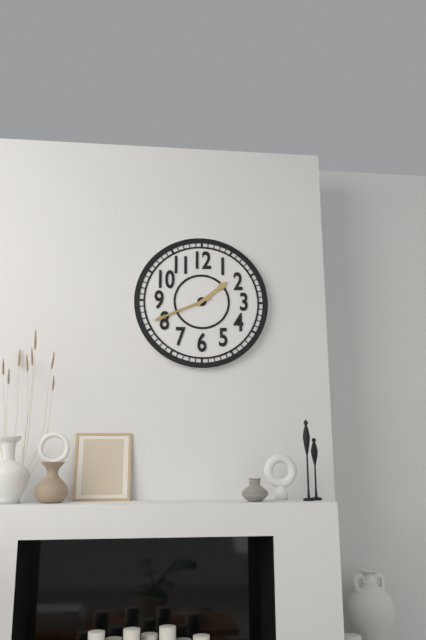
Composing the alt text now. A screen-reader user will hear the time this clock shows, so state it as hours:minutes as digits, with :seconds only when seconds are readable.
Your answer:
1:41
